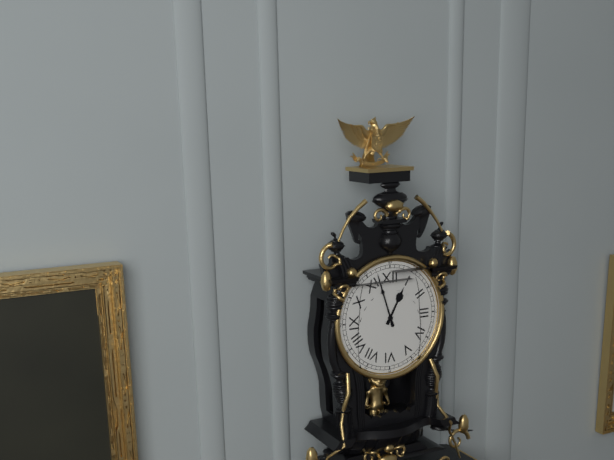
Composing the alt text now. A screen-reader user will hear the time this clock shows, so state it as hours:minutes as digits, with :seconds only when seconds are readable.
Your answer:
12:57
